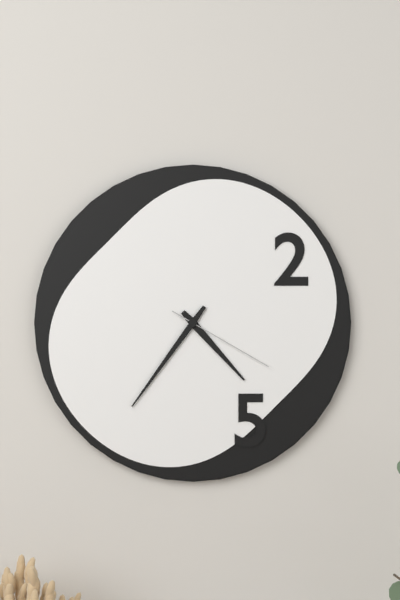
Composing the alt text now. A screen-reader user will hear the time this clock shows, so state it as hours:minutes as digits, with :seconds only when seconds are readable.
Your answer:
4:36:20
